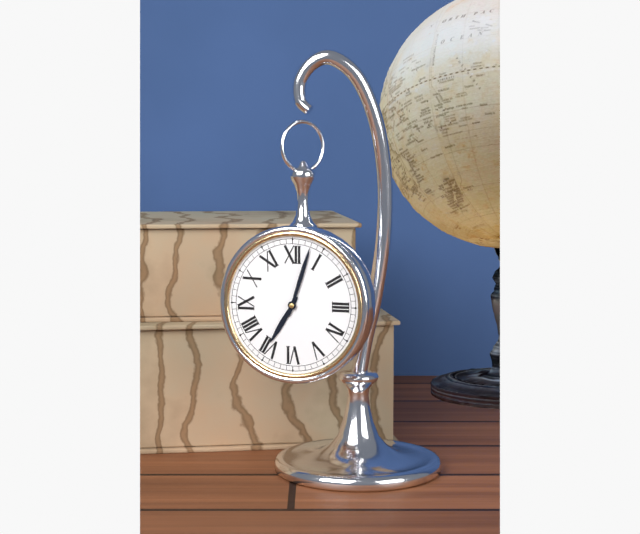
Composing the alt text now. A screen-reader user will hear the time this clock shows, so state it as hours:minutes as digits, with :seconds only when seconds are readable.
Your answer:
7:03
